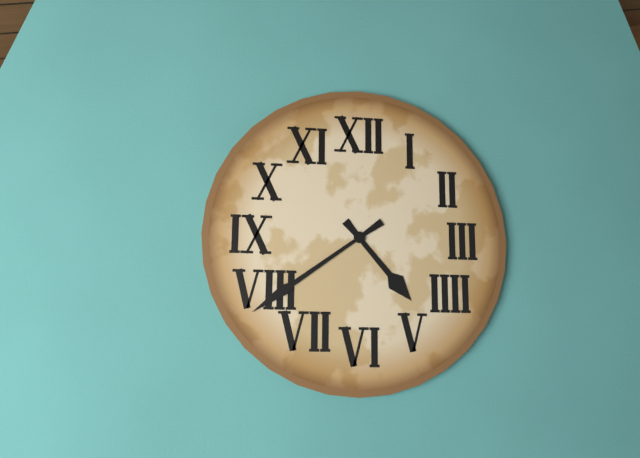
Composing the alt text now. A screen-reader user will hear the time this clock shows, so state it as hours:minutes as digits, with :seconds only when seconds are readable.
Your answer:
4:39
